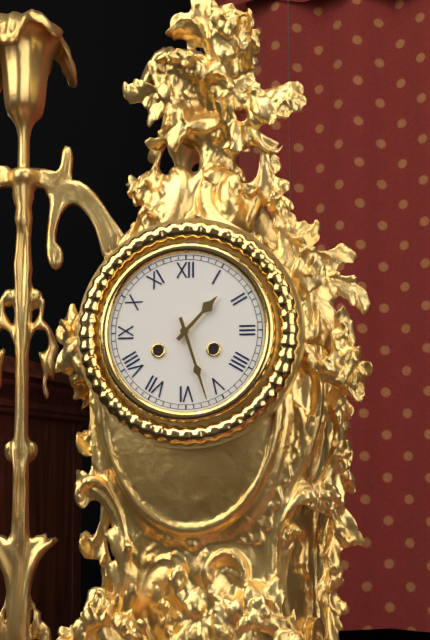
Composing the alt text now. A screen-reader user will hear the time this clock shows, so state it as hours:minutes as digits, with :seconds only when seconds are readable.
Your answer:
1:27
